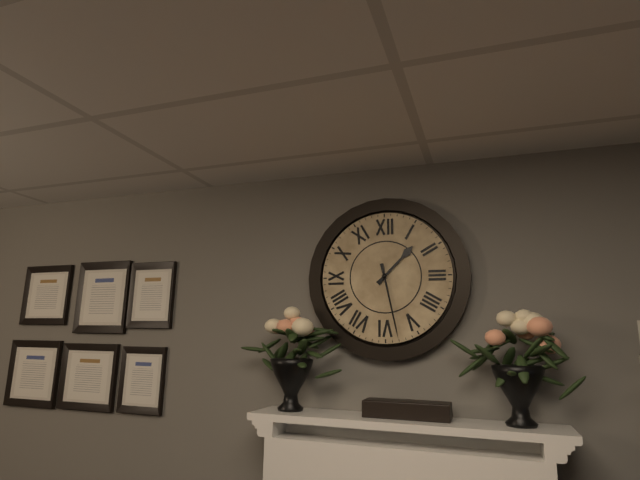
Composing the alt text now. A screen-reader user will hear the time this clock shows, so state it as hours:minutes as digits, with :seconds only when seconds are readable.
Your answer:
1:28
